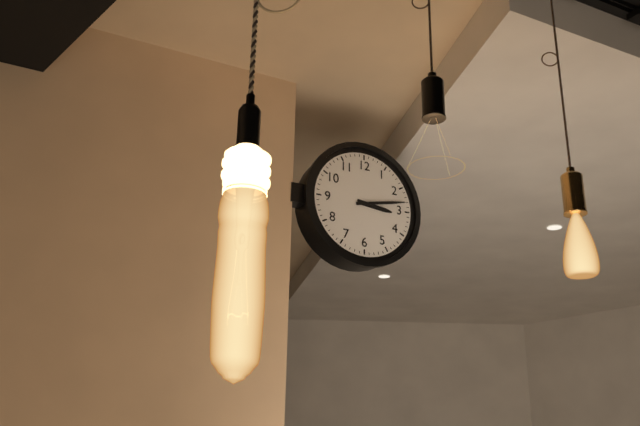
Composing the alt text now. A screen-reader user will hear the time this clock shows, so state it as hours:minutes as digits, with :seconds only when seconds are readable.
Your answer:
3:13
